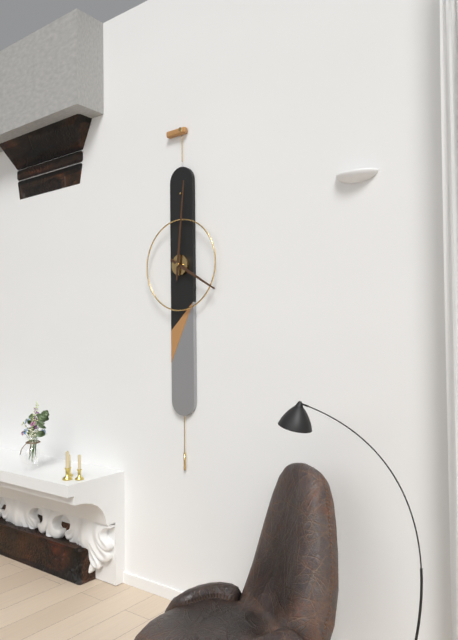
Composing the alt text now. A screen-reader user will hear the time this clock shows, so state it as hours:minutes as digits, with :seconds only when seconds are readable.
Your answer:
4:01
